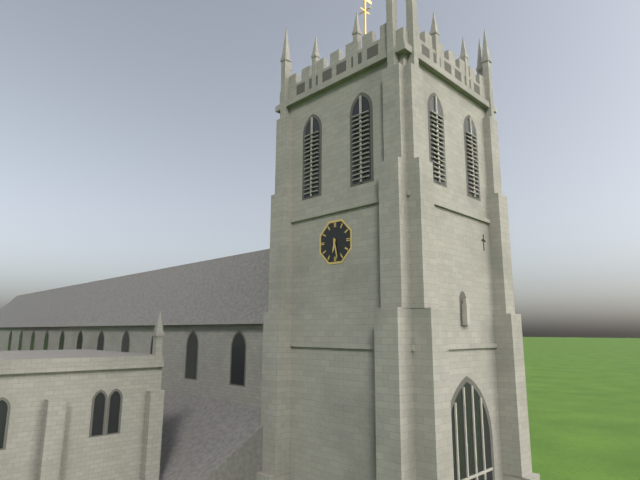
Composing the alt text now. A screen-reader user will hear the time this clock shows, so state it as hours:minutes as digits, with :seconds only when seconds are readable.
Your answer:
6:28
